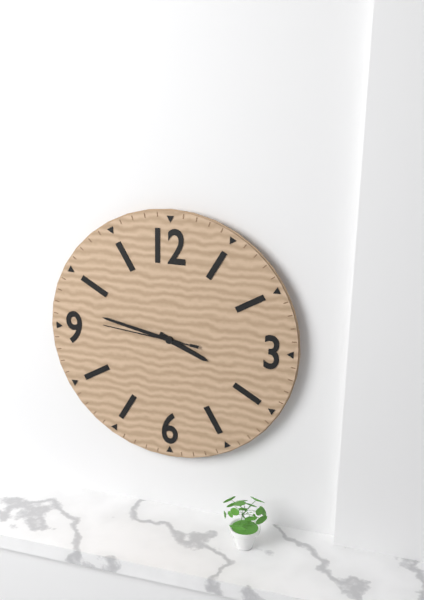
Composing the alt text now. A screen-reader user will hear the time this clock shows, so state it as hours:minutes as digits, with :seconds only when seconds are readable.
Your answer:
3:47:46
